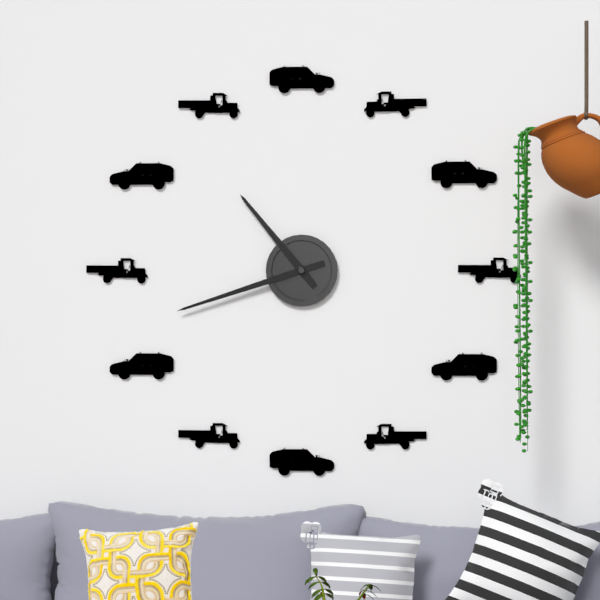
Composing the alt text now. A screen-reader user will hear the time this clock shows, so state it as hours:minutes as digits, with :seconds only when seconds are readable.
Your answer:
10:42
